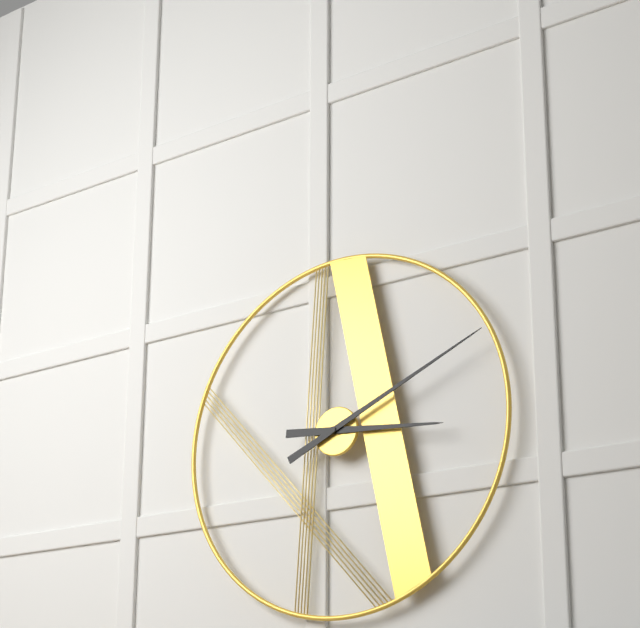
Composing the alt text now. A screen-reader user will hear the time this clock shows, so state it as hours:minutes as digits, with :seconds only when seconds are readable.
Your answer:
3:11
